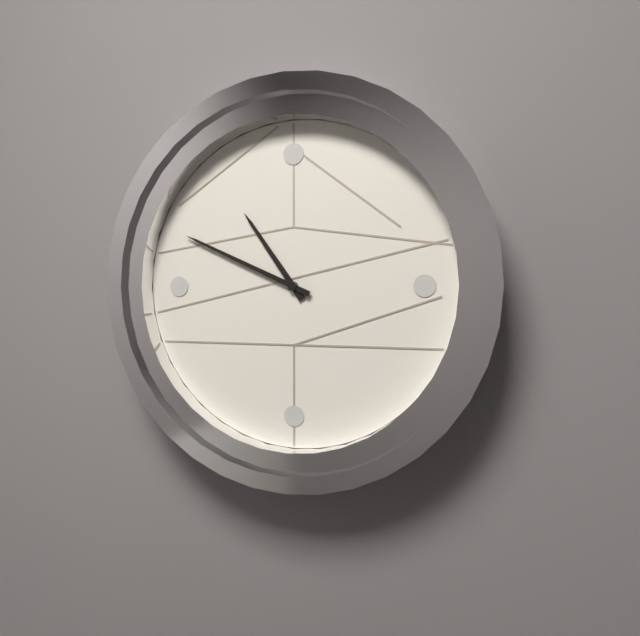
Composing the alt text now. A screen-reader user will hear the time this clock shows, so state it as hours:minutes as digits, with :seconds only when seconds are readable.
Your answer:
10:49
